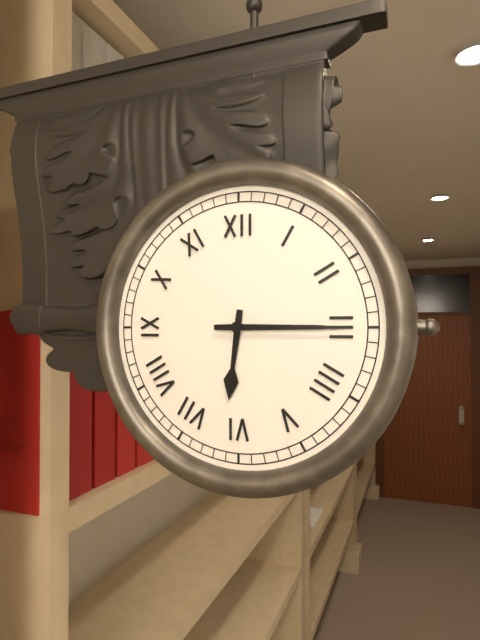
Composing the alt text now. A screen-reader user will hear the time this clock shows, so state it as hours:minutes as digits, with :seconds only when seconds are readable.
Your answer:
6:15
